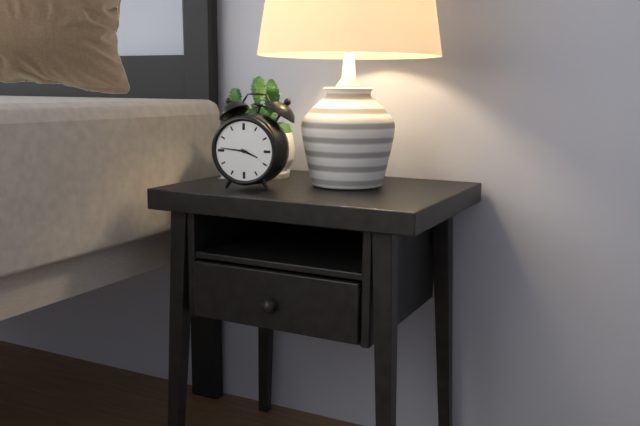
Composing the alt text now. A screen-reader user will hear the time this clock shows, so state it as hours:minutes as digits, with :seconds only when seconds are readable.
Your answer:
3:46
